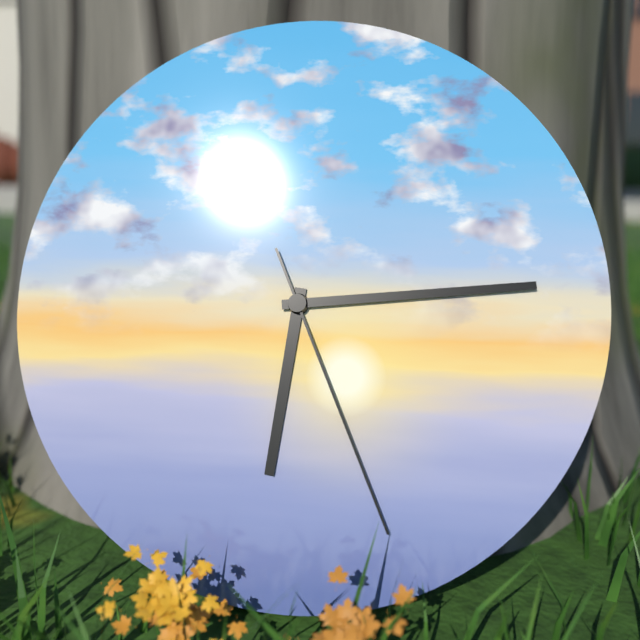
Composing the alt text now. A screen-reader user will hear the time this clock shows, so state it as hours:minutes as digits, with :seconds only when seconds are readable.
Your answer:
6:14:26
